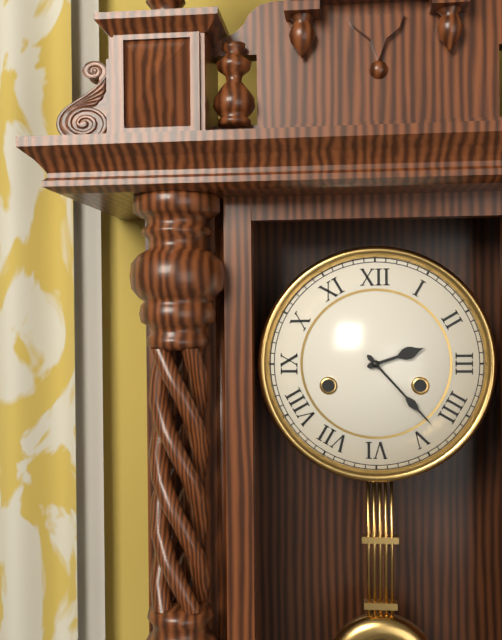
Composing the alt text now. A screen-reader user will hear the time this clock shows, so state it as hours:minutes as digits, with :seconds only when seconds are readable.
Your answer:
2:23
